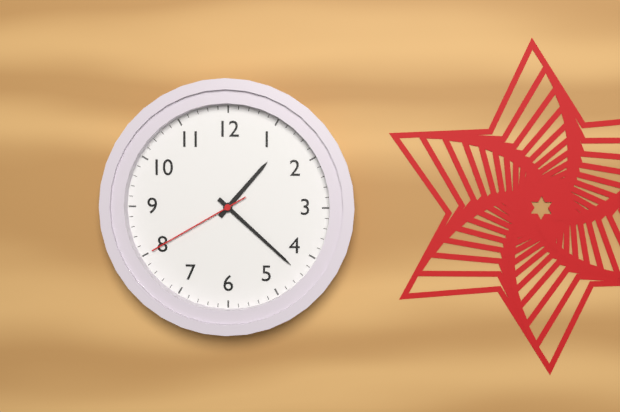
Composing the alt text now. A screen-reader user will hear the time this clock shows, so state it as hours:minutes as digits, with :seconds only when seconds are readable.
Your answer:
1:22:40
